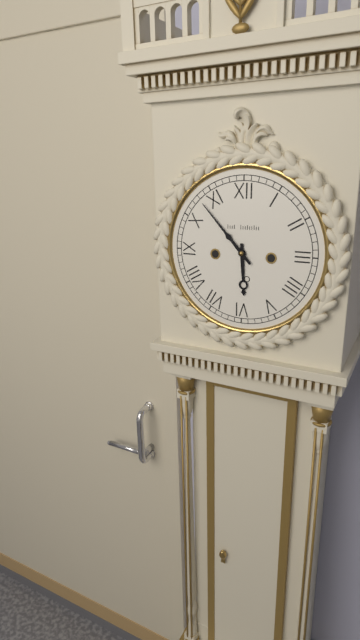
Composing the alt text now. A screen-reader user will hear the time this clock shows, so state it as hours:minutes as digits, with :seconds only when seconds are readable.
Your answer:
5:53
